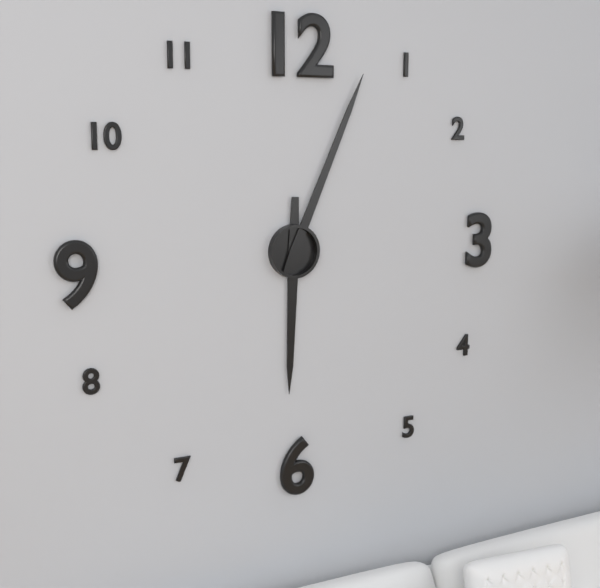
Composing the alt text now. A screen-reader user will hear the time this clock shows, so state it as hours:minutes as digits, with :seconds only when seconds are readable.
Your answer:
6:04
